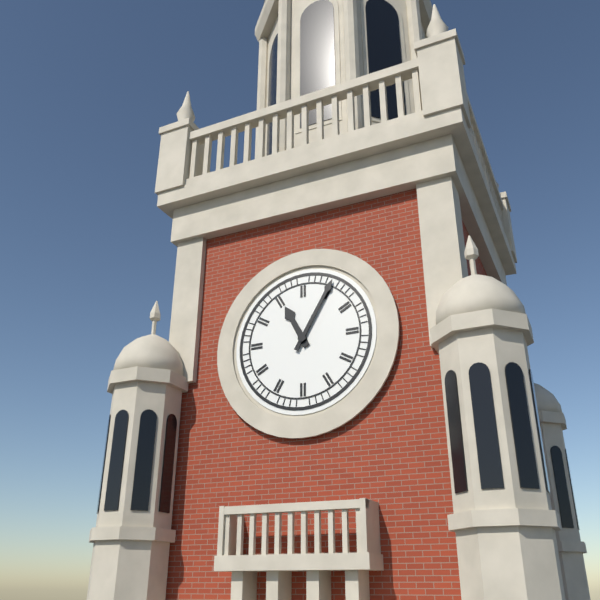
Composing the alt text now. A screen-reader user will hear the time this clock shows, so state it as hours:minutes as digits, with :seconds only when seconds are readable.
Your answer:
11:05
